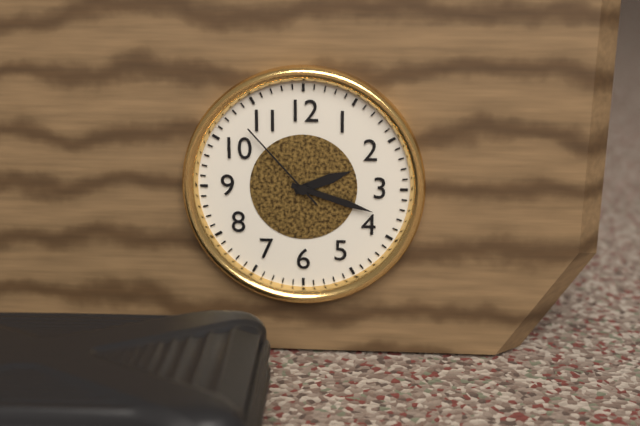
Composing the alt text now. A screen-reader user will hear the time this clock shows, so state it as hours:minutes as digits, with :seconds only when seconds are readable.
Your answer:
2:18:53
